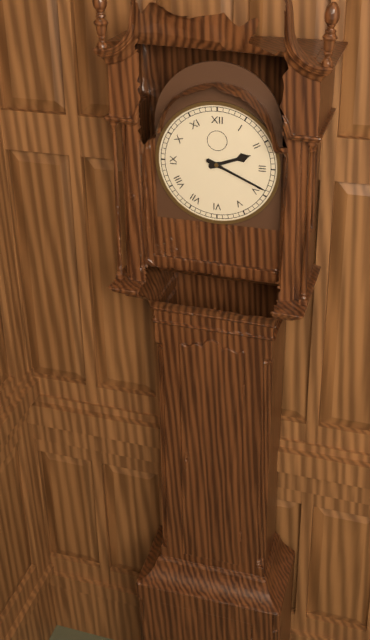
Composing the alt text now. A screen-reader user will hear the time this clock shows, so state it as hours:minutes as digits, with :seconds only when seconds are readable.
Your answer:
2:19
